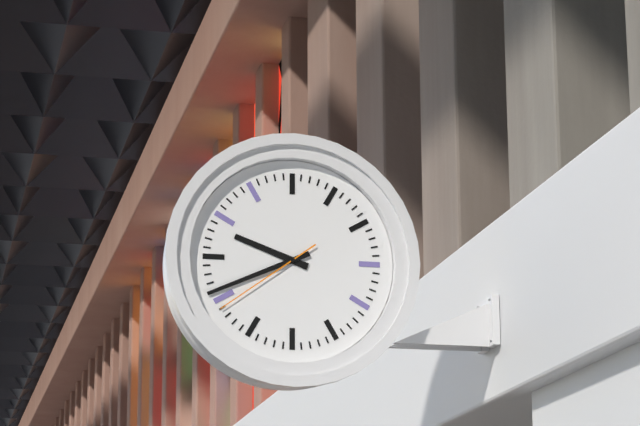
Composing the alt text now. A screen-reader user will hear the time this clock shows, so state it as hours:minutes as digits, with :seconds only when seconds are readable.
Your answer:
9:41:39
